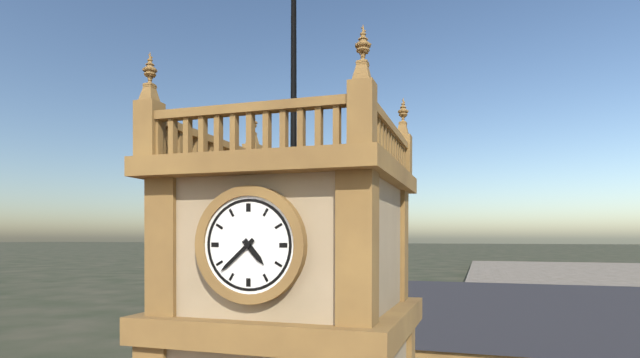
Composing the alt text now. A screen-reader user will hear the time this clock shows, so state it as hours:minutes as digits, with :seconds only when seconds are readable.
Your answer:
4:38
